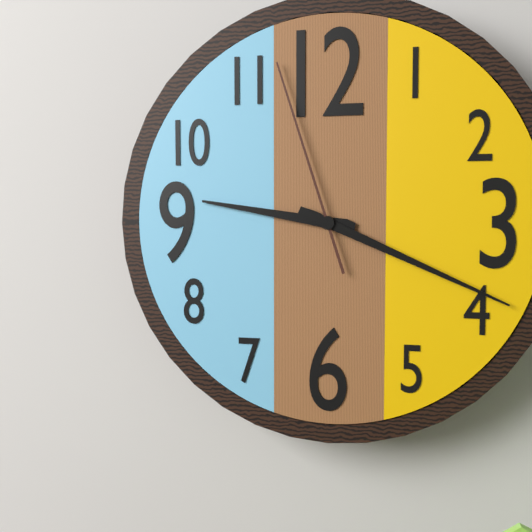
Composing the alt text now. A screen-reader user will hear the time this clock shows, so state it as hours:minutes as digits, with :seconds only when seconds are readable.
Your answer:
9:19:57
